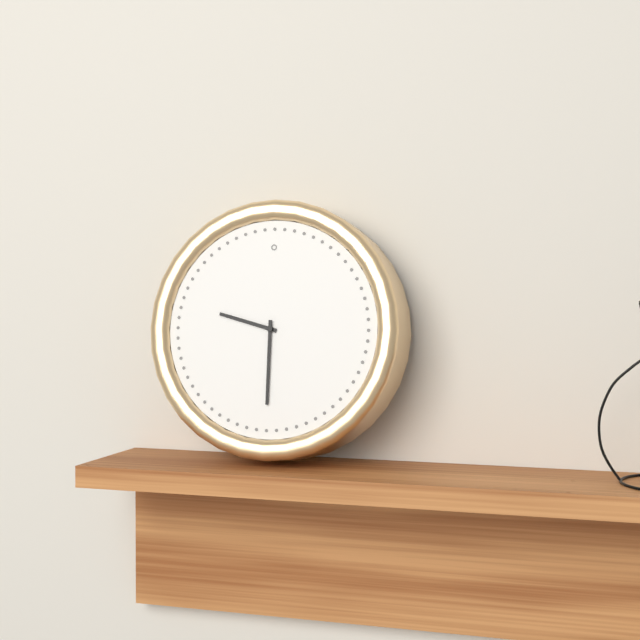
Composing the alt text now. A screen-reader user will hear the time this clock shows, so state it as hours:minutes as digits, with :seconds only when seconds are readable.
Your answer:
9:30
